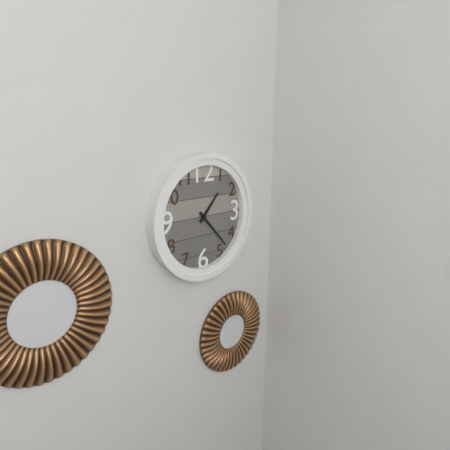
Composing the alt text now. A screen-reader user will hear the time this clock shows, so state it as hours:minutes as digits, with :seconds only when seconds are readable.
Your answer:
1:23
